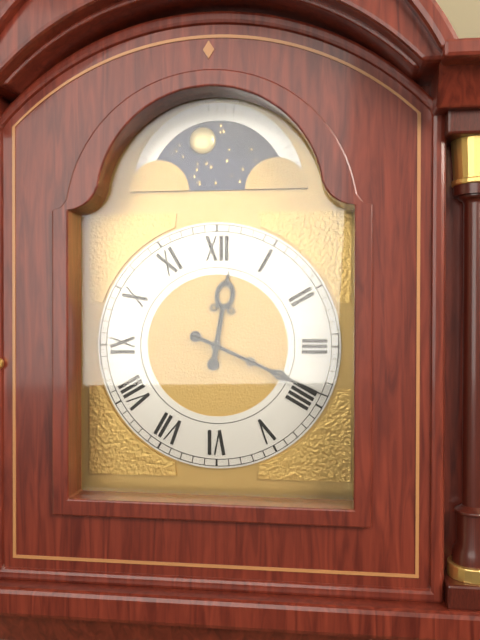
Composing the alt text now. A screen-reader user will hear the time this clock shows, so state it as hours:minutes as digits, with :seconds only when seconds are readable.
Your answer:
12:19
